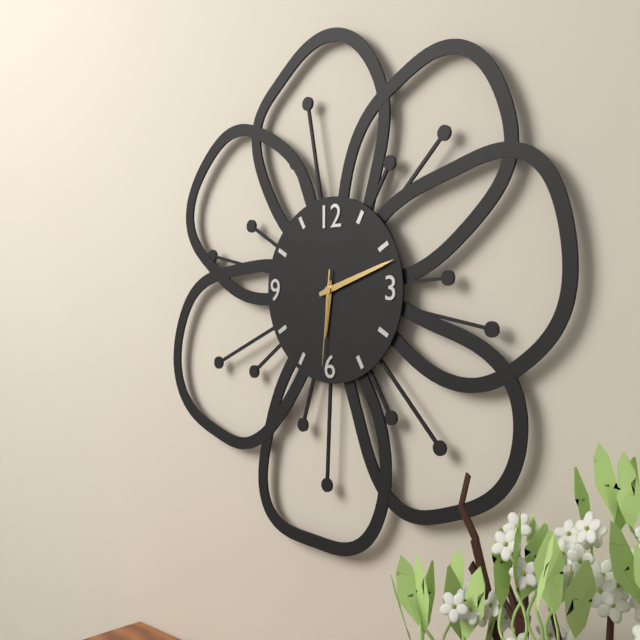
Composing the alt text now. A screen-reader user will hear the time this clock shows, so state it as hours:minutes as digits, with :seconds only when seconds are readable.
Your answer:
6:12:31
